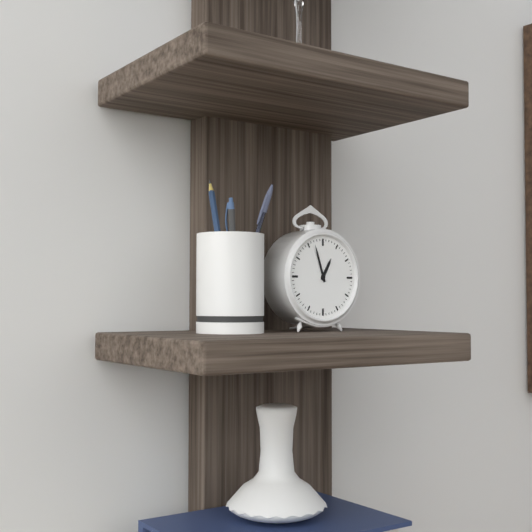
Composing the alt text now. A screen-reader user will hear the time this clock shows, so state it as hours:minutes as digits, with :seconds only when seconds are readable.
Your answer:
12:57
